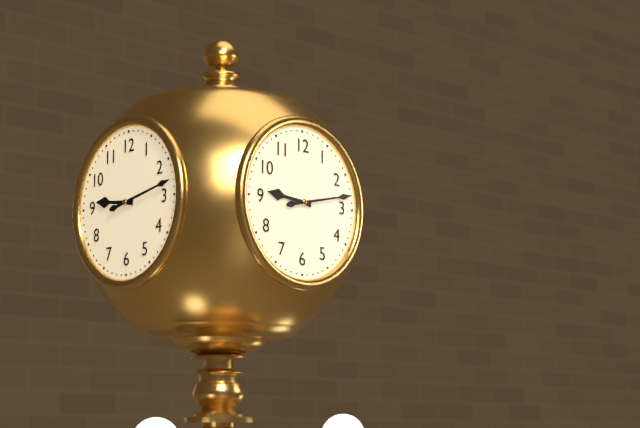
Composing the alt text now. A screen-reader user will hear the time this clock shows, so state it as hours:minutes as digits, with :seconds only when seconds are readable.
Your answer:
9:13
